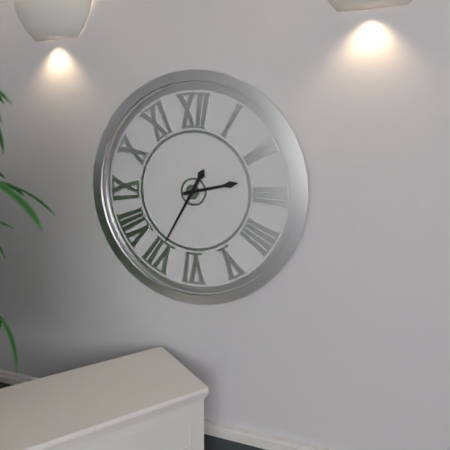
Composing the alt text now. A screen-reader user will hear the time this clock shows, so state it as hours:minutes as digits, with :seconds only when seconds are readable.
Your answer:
2:35
